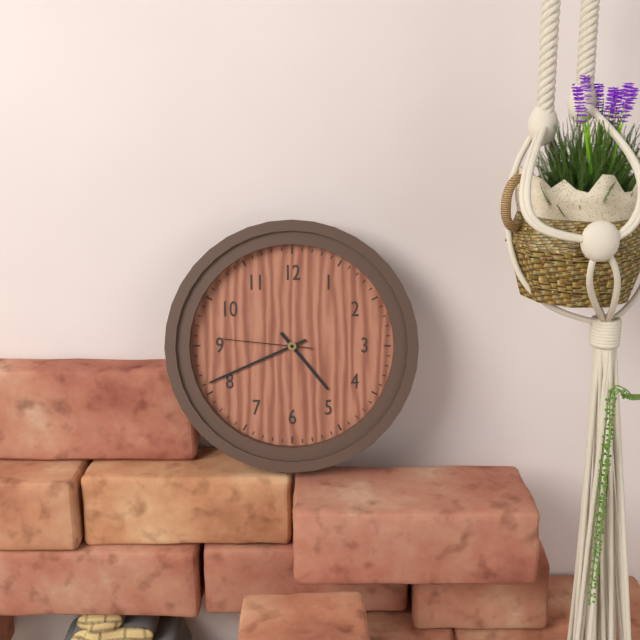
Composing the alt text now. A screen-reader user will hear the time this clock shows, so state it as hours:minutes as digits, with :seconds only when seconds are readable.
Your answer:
4:41:46
